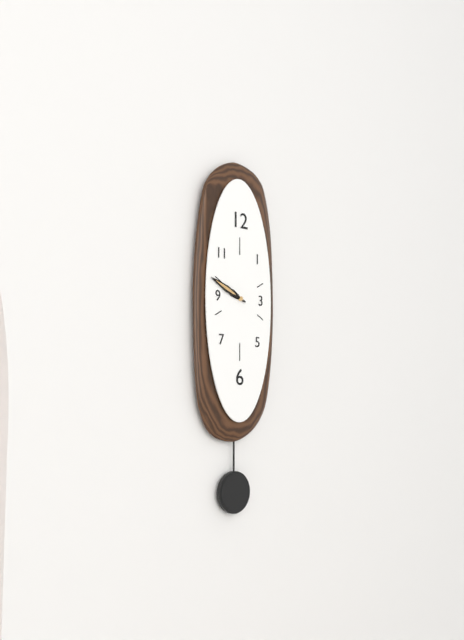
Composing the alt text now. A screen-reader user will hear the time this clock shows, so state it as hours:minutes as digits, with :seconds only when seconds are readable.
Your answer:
9:49
